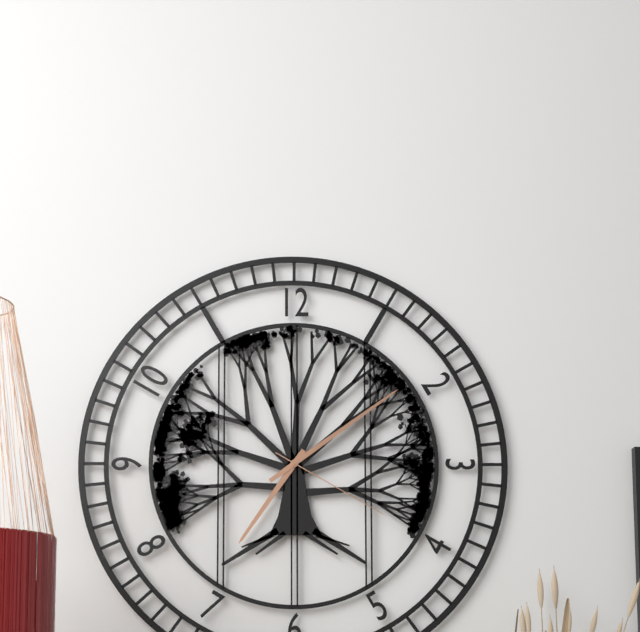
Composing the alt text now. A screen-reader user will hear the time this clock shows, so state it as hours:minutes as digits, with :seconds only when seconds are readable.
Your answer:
7:09:20
